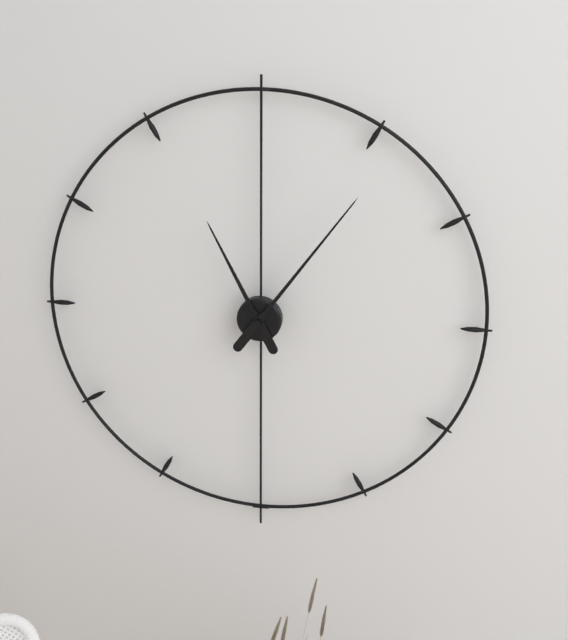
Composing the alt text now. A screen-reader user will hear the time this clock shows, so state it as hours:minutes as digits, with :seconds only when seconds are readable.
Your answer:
11:06
